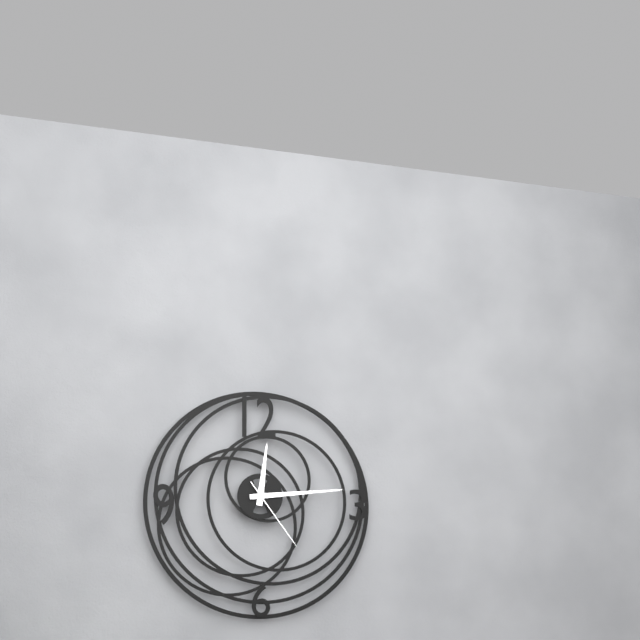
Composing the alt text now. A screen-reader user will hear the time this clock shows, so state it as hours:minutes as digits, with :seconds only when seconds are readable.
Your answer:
12:14:24
